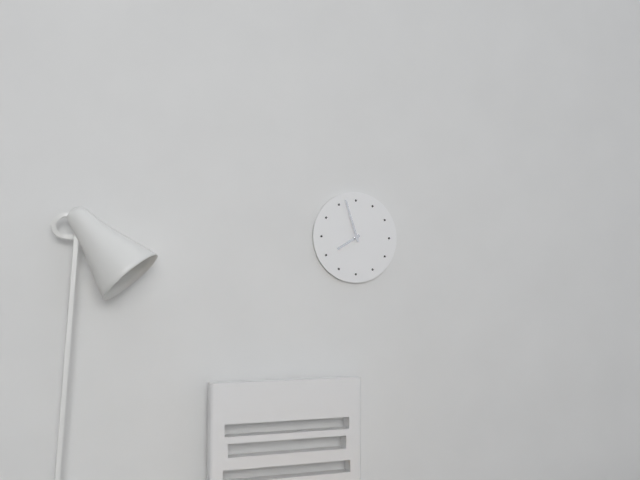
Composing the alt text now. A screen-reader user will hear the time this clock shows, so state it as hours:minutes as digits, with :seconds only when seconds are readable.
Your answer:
7:57
